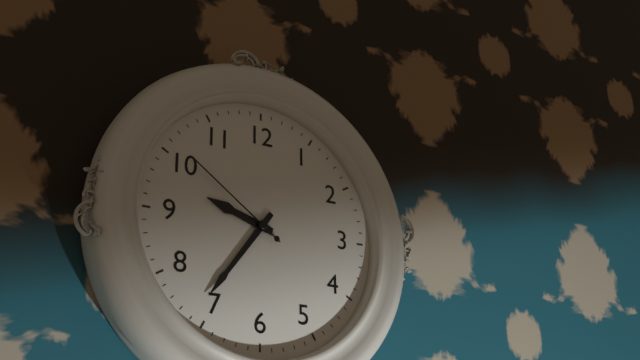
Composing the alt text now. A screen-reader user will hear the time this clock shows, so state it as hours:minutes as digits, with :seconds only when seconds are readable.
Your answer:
9:36:51
